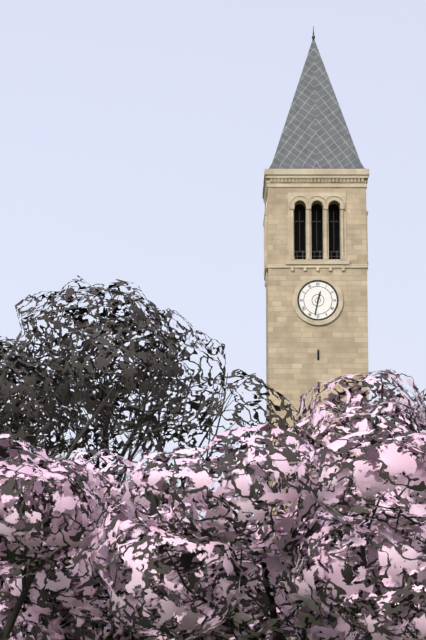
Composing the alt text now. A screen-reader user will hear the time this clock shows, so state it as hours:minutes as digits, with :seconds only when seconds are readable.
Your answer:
12:32
